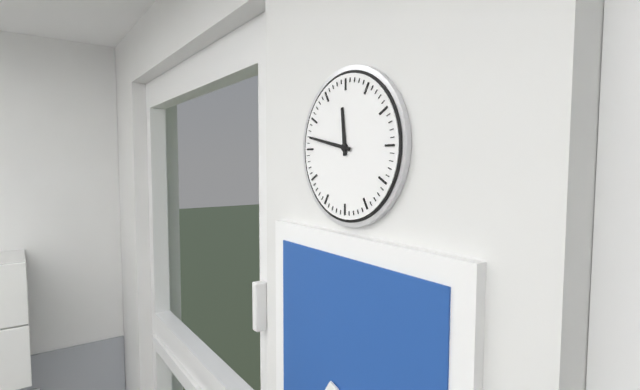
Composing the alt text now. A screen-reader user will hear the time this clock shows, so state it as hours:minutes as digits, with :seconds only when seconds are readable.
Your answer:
11:47
